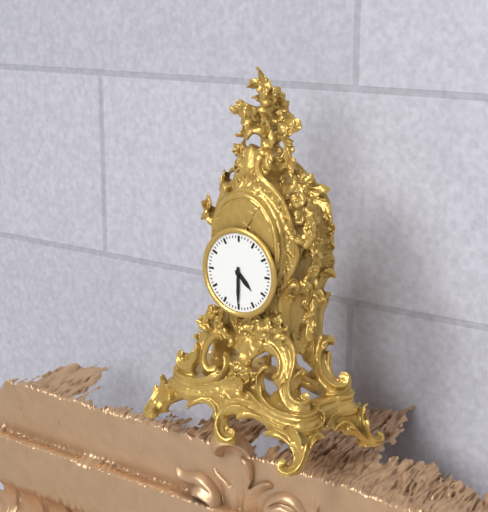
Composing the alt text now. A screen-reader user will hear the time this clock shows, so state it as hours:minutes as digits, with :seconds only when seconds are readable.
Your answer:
4:30
